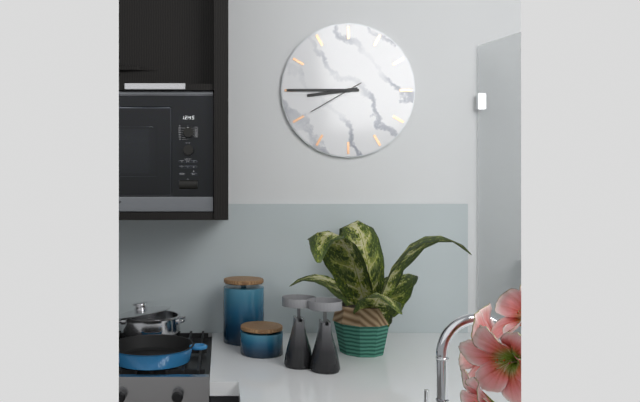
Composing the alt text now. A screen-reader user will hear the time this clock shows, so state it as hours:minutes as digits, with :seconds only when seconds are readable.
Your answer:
8:45:40
